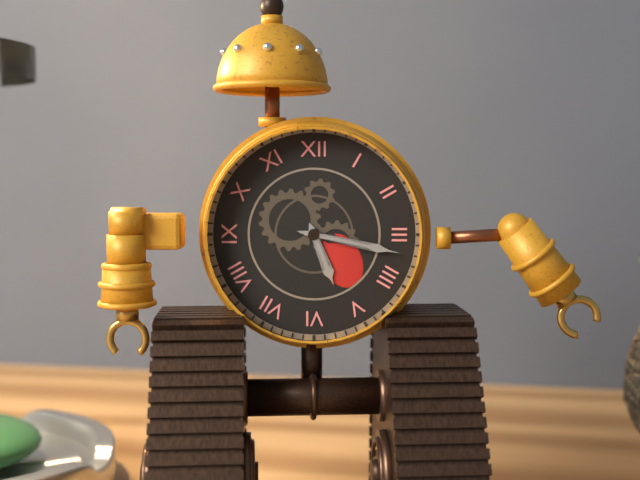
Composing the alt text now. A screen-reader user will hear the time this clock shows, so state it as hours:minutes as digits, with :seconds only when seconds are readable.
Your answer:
5:17
